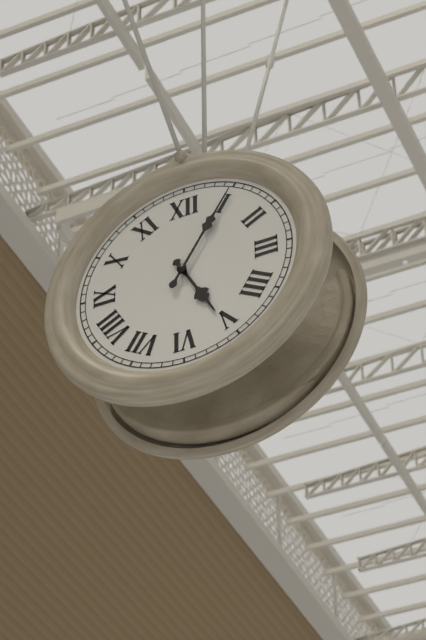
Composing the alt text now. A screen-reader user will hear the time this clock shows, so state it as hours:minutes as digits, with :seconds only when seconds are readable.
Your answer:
5:05
